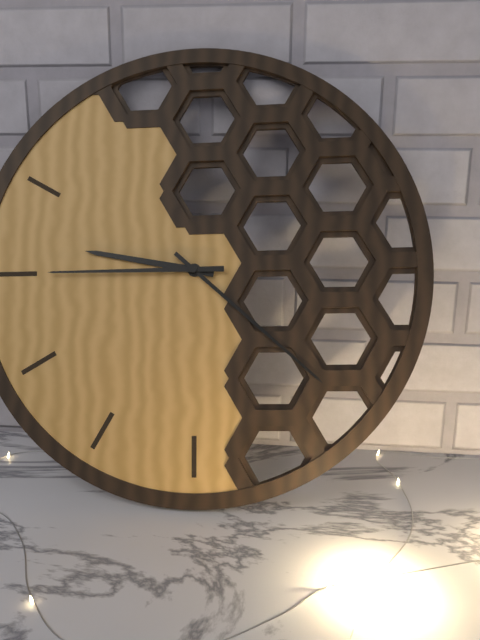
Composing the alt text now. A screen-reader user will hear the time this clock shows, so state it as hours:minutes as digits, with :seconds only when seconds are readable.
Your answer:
9:22:45
